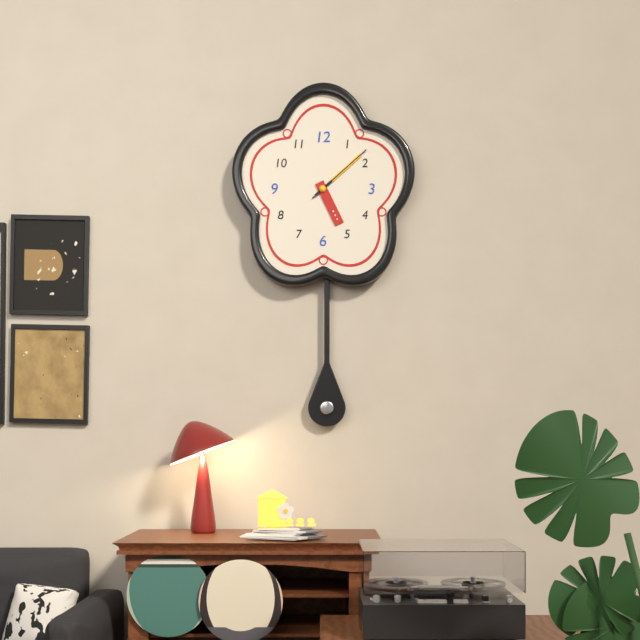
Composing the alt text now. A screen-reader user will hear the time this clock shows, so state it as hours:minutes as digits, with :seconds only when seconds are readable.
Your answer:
5:08:08
